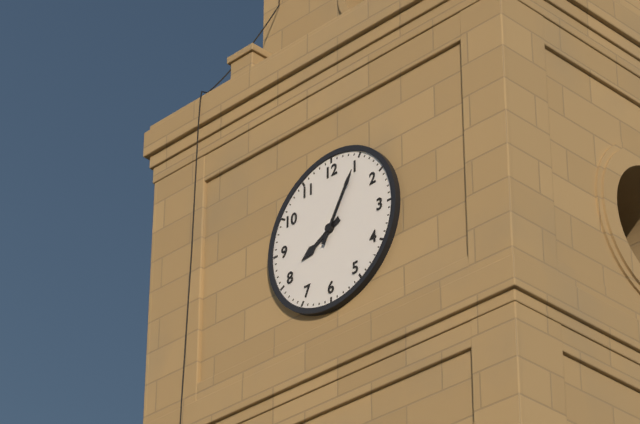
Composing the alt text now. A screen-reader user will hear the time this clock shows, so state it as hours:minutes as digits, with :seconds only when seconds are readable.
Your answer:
8:05
